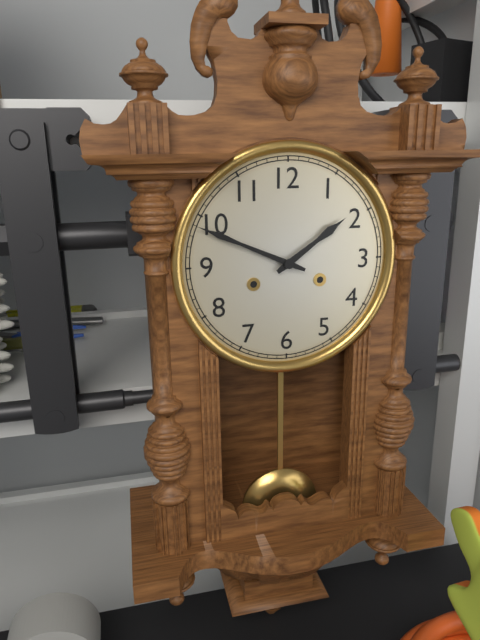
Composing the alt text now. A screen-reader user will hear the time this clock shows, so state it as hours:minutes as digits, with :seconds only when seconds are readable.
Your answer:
1:49
